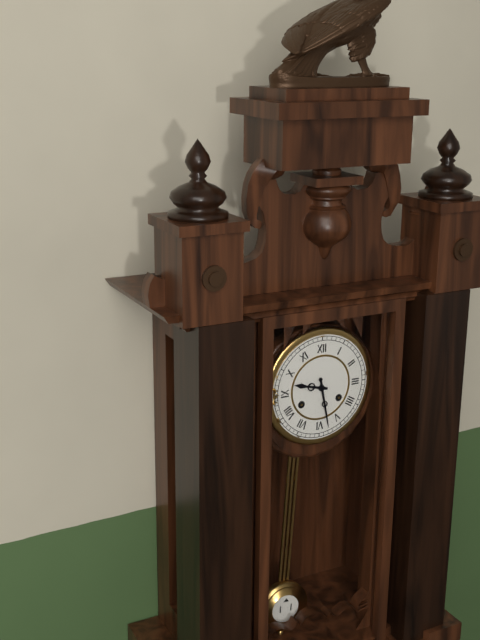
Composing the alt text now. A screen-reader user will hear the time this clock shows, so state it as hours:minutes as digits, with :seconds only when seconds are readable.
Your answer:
9:28
